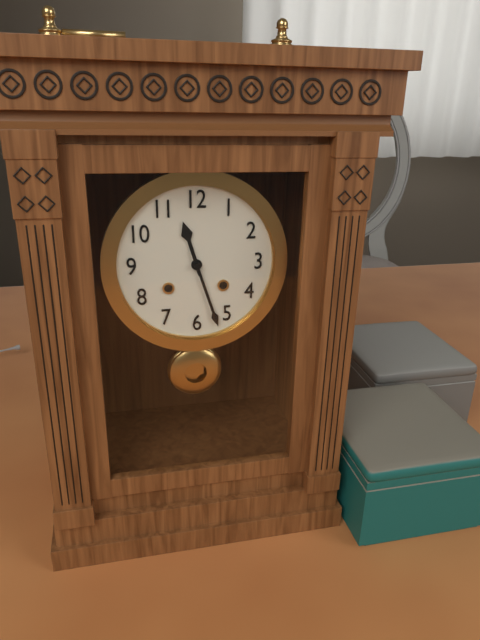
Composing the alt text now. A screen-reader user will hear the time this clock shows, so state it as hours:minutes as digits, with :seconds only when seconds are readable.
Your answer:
11:27
